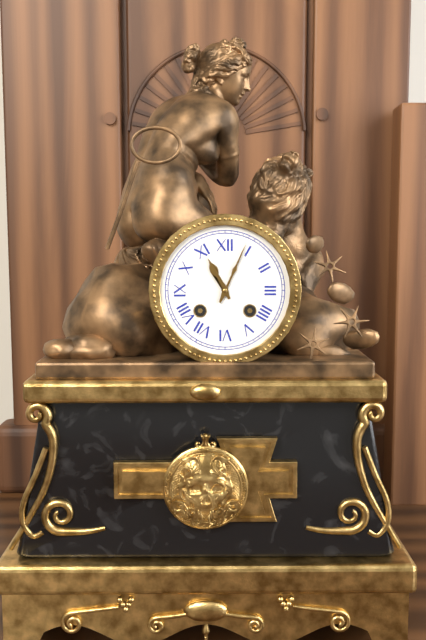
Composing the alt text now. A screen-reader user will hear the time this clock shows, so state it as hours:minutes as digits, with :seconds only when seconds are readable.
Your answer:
11:04
